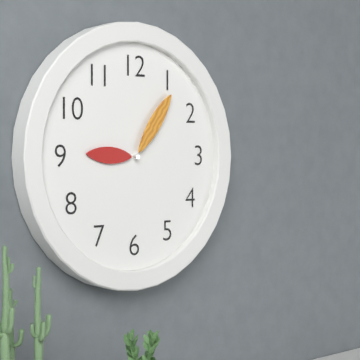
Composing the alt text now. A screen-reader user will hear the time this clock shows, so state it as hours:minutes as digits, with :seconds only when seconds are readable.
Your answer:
9:06
